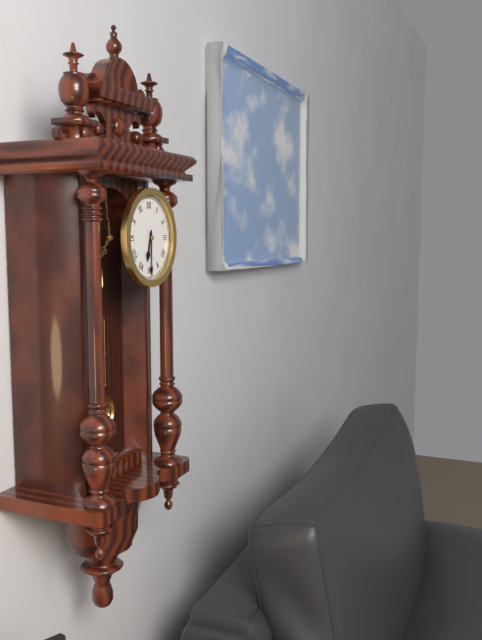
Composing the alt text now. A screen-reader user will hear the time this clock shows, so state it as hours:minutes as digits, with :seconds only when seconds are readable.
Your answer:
6:30
